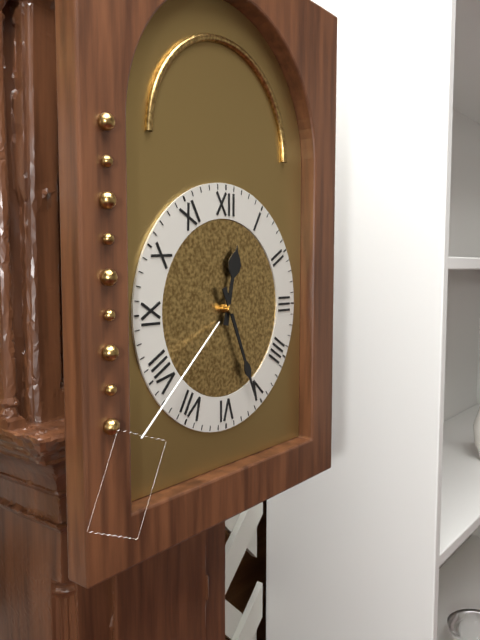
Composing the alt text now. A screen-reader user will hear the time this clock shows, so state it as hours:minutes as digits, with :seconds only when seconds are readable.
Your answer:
12:26
